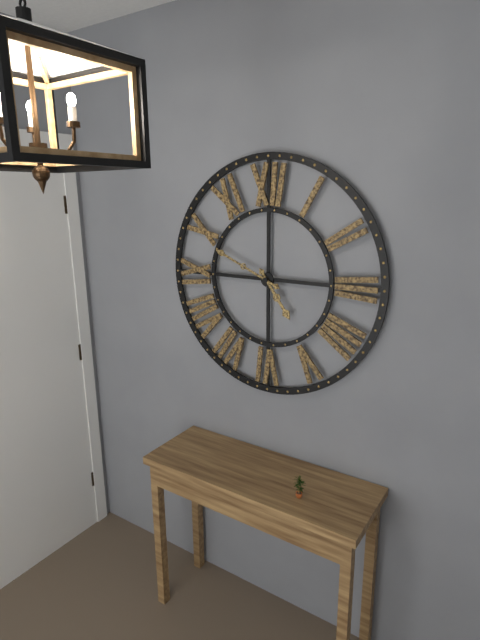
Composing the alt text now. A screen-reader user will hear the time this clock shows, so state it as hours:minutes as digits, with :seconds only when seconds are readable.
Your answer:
4:49
